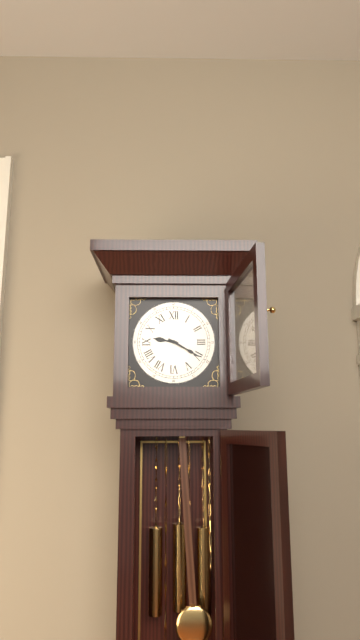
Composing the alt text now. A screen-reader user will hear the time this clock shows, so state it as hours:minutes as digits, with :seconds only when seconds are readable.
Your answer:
9:20
